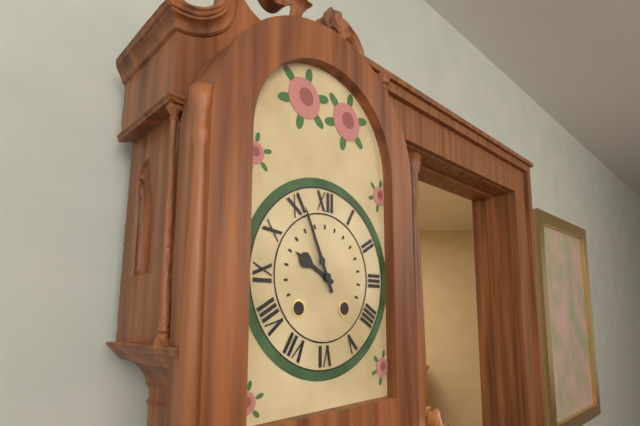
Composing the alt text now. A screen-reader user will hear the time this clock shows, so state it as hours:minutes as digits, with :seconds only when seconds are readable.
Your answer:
9:56
